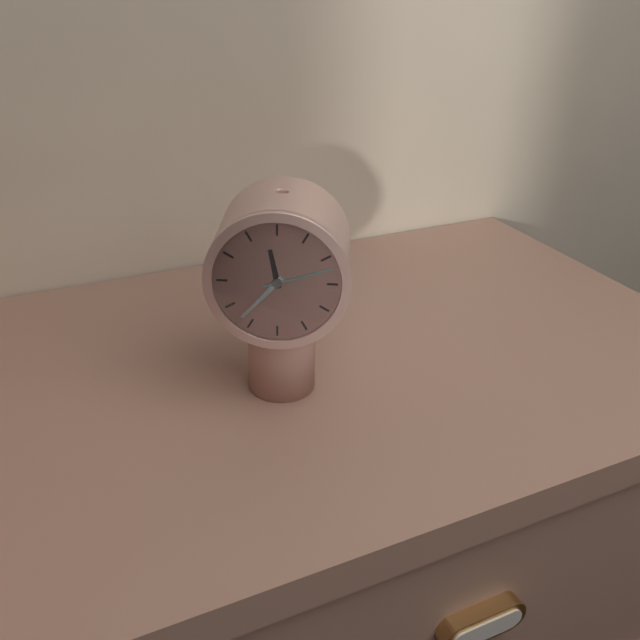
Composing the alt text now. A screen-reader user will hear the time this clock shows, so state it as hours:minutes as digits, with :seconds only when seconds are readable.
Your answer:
11:37:12
